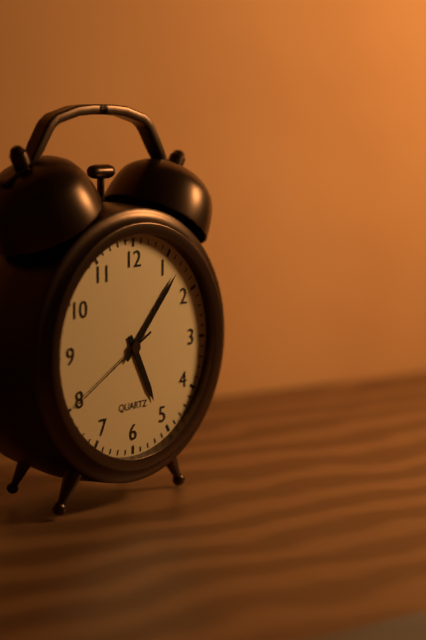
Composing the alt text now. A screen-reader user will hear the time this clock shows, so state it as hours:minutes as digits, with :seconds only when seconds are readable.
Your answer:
5:07:40
